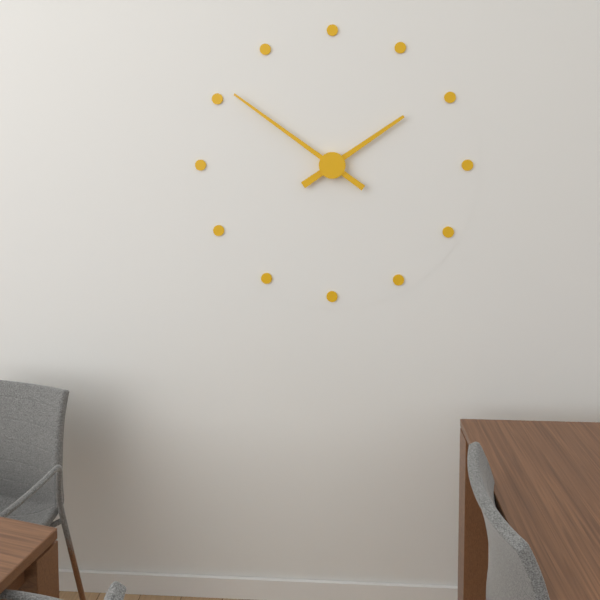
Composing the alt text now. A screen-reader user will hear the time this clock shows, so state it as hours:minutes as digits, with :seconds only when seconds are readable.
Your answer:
1:51
